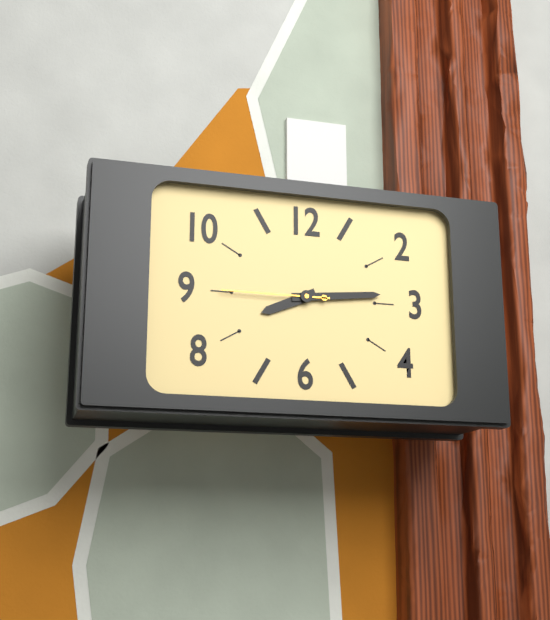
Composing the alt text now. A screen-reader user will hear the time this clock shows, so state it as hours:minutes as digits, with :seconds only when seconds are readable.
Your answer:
8:14:45
